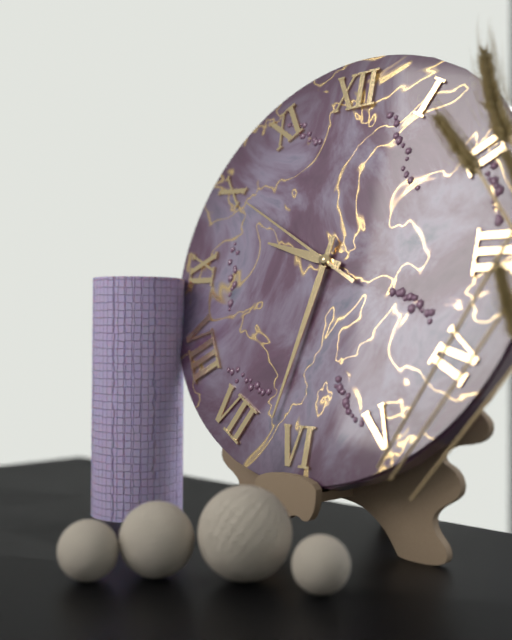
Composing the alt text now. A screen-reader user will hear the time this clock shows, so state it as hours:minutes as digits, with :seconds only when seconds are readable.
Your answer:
9:32:50
